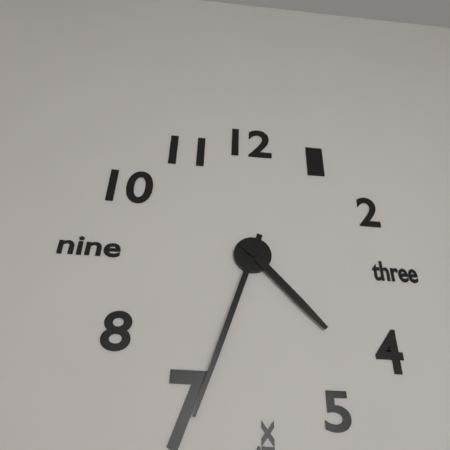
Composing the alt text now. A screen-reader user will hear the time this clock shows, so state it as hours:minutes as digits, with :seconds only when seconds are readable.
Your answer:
4:33
